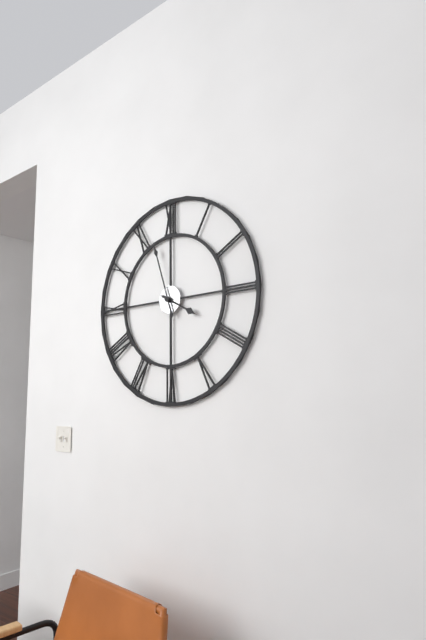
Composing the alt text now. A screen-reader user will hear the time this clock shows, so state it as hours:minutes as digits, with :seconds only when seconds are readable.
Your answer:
3:57
